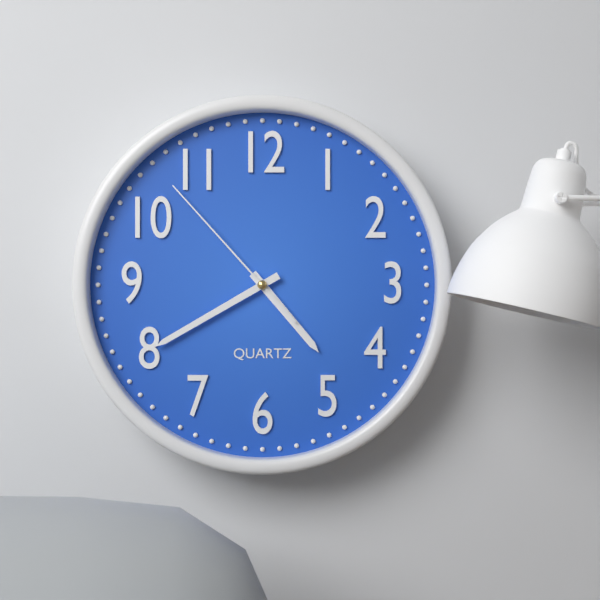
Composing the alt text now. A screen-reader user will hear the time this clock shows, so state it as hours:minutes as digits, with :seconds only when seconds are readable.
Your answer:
4:40:53
